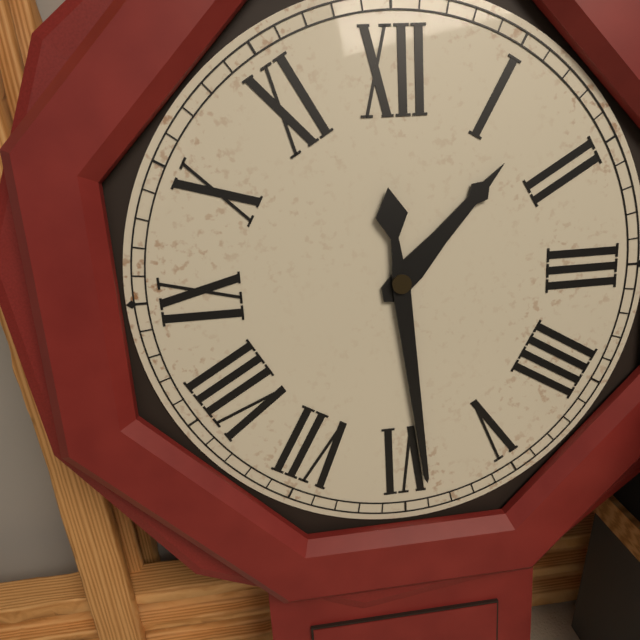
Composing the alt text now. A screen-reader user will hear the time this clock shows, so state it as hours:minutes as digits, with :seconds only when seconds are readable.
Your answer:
1:29
